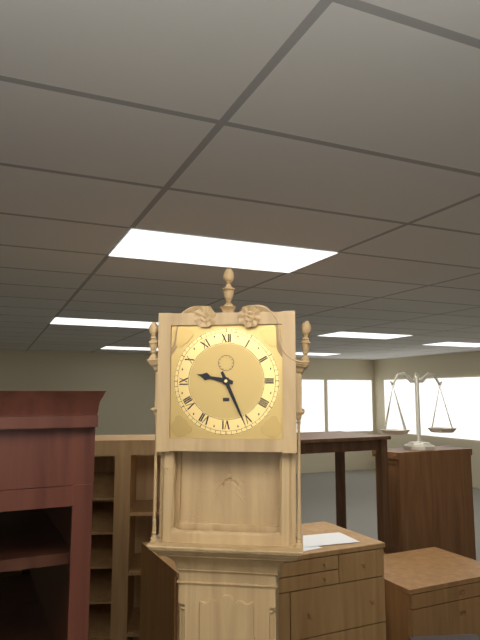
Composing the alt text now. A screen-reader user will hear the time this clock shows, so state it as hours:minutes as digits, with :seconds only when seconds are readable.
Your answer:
9:26
